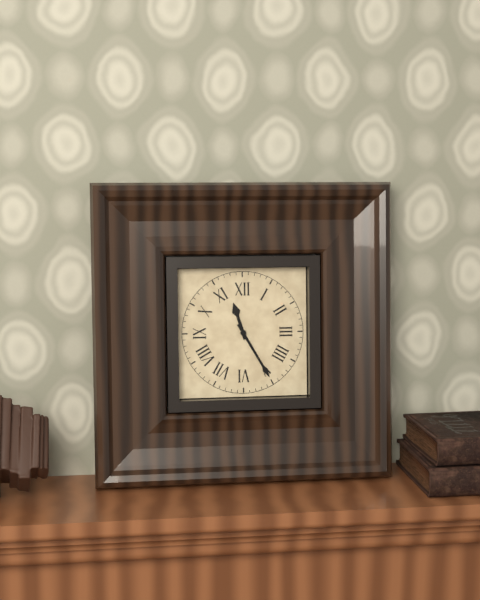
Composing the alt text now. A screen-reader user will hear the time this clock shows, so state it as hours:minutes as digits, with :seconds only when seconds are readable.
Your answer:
11:25
